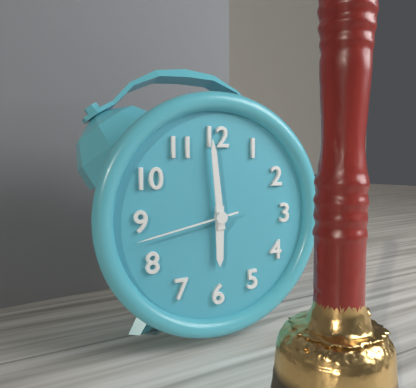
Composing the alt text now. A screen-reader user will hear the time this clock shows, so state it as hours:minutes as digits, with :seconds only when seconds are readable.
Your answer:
5:59:43
